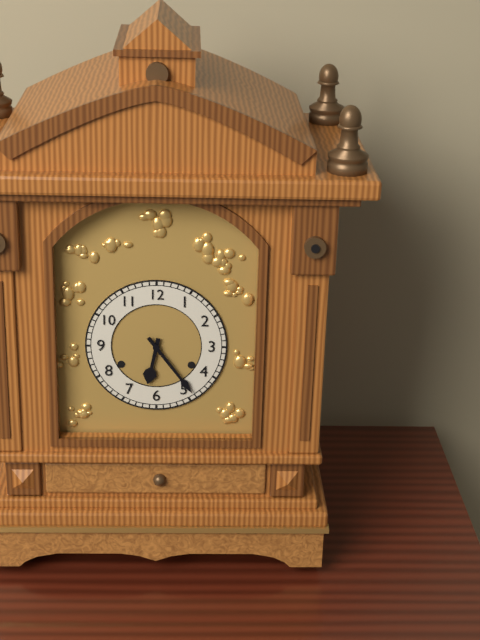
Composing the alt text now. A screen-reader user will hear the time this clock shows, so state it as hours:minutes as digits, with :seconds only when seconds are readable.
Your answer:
6:24
